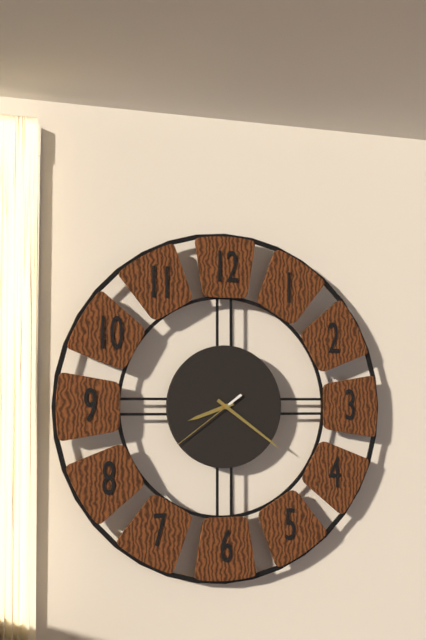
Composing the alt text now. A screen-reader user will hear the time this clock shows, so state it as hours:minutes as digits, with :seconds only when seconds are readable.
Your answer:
8:21:39
